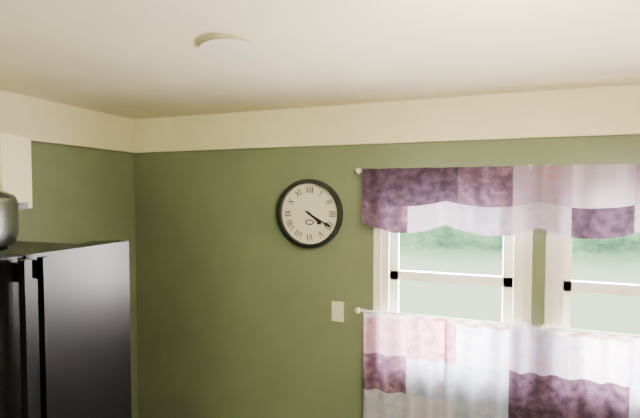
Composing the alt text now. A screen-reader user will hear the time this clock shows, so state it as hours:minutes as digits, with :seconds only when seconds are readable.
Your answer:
4:20
